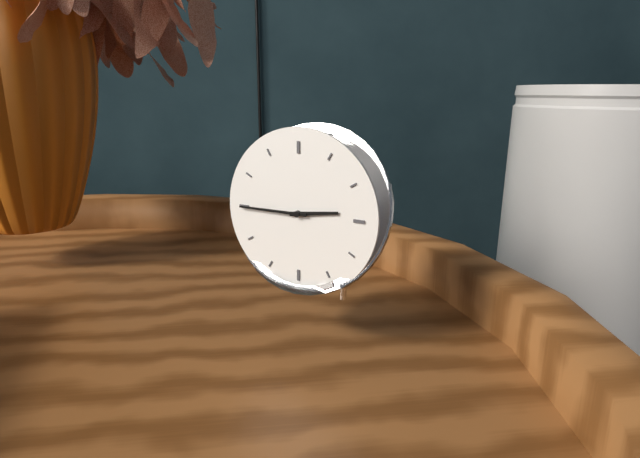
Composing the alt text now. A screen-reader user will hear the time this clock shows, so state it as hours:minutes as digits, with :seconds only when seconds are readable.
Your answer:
2:45
